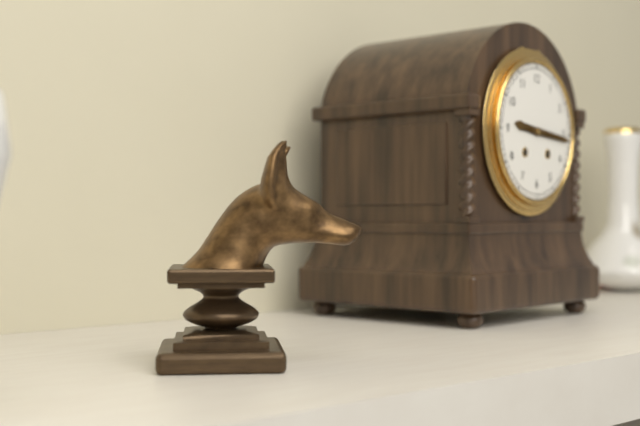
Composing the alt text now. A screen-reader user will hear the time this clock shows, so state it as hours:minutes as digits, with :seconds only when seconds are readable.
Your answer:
9:16
